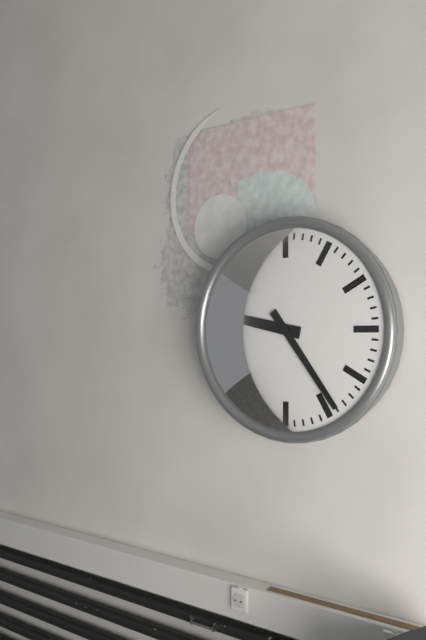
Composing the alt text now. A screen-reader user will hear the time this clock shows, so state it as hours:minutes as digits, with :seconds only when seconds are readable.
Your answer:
9:24
